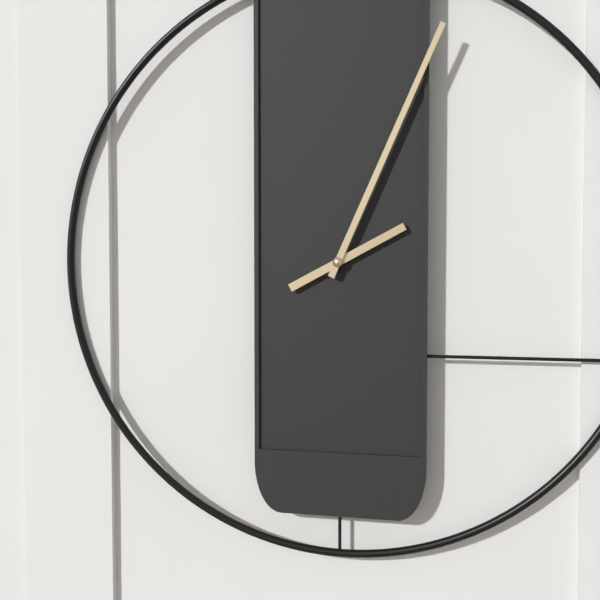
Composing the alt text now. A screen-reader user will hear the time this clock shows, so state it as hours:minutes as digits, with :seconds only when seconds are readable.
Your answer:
2:04
